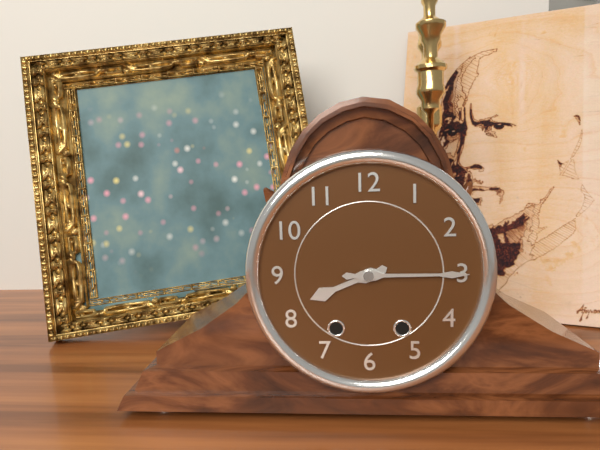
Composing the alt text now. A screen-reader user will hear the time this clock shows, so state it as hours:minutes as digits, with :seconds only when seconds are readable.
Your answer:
8:15
